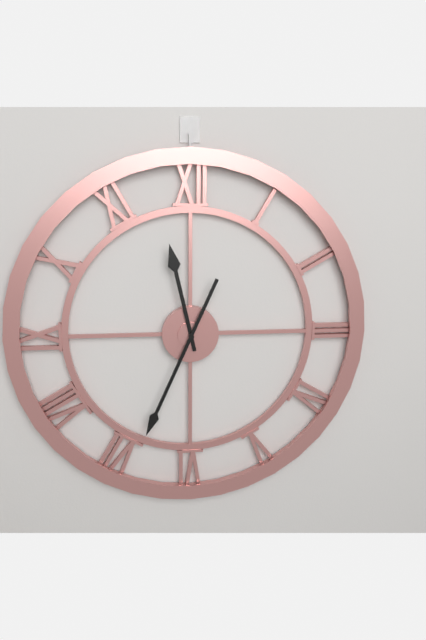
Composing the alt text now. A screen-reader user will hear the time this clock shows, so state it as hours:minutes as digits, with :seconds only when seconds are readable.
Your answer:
11:34
